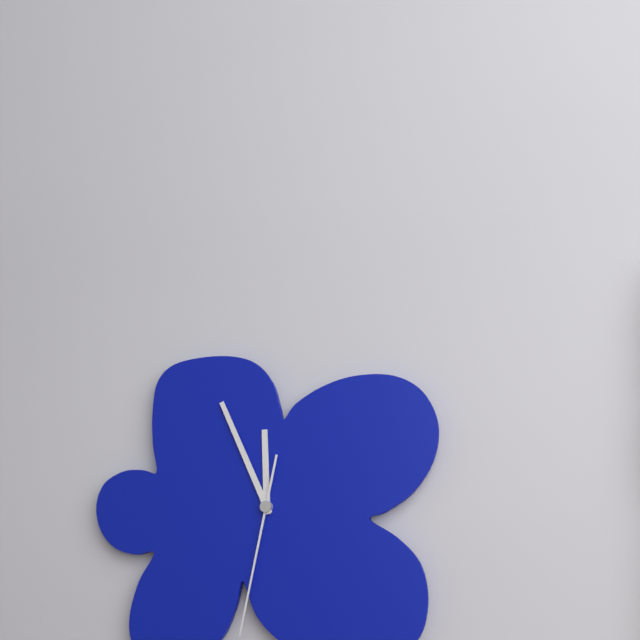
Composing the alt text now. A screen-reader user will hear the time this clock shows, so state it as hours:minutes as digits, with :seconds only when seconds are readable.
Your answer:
11:56:32
